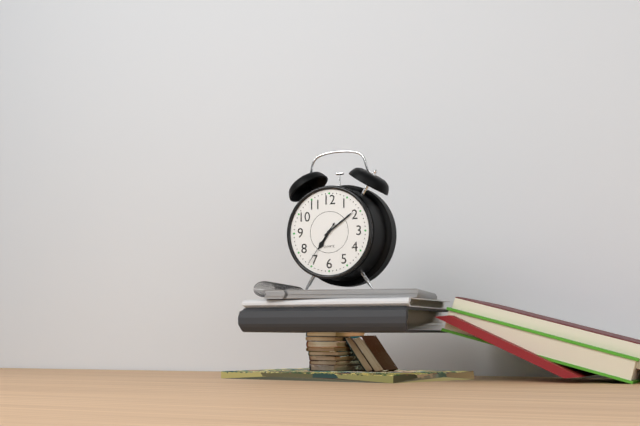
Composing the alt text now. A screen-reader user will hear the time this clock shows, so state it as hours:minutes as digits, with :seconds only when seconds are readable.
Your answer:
7:09:36
